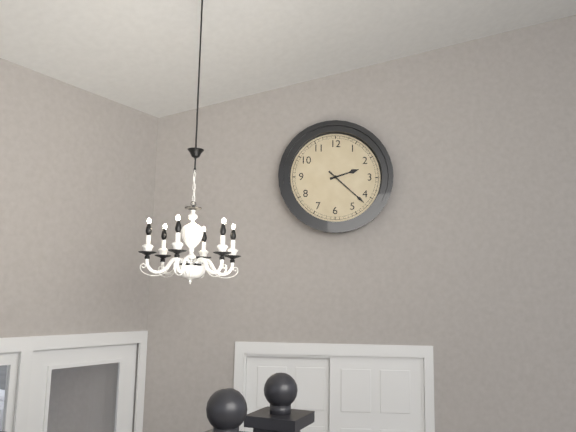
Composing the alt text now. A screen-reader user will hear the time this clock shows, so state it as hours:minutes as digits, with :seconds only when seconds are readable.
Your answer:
2:22
